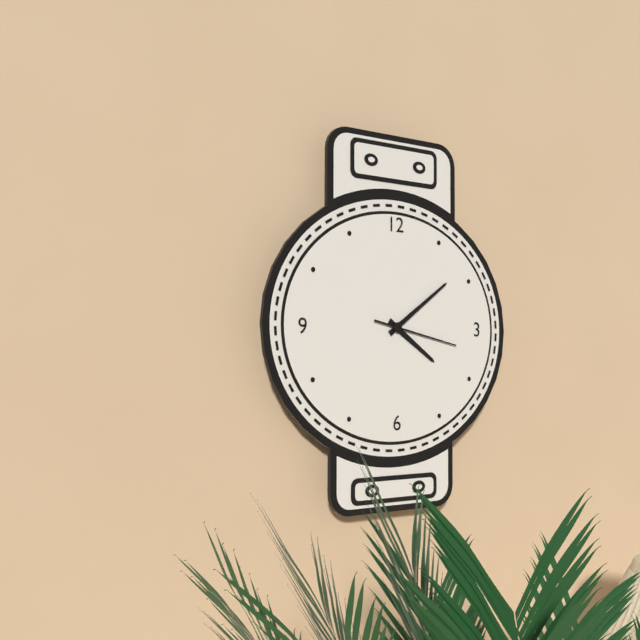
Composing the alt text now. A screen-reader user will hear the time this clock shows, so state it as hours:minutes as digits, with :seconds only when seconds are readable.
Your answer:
4:09:17
